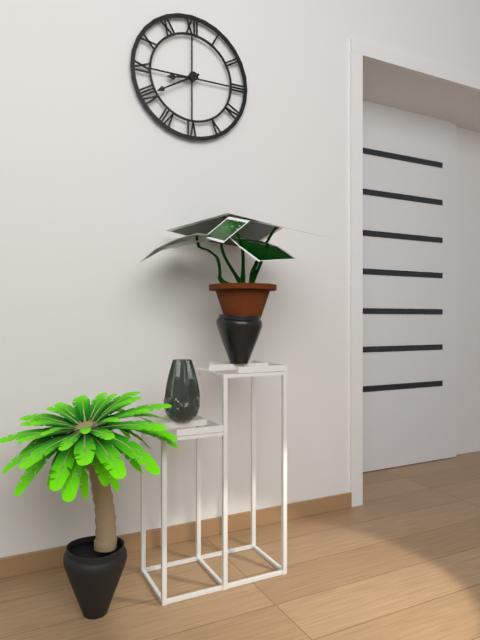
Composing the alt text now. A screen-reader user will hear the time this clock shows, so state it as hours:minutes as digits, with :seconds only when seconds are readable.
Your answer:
8:40
